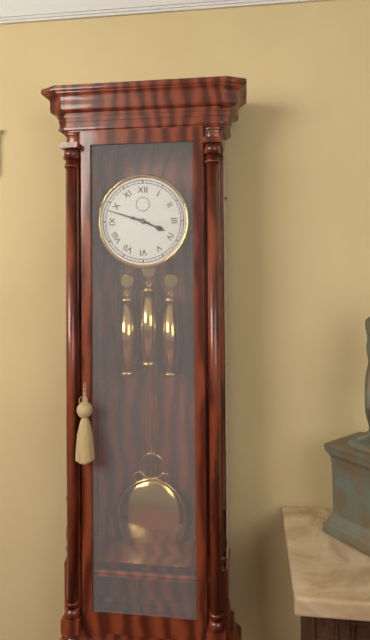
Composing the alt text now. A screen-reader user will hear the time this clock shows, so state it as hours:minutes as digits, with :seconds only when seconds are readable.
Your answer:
3:48
